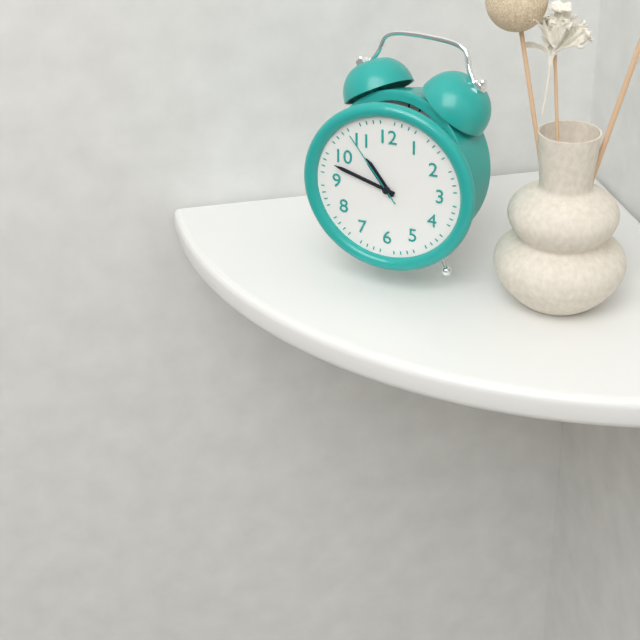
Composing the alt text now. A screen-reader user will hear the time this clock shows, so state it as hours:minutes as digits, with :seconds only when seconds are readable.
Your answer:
10:48:54
